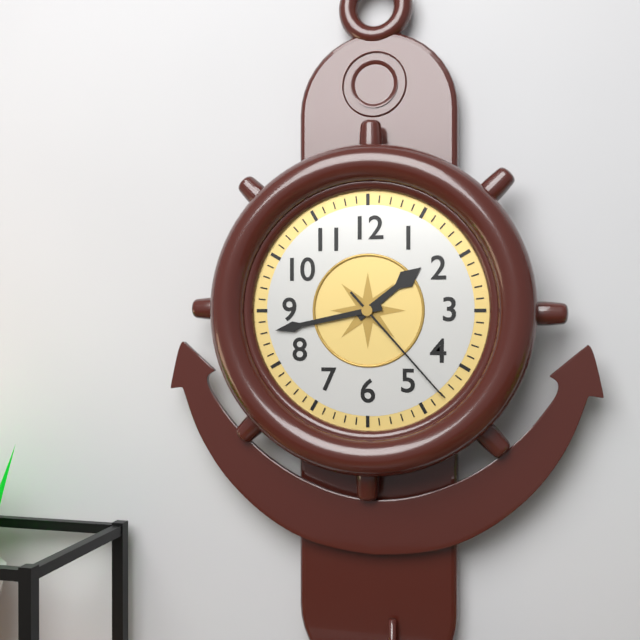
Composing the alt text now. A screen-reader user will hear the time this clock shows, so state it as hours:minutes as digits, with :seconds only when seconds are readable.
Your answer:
1:43:23
